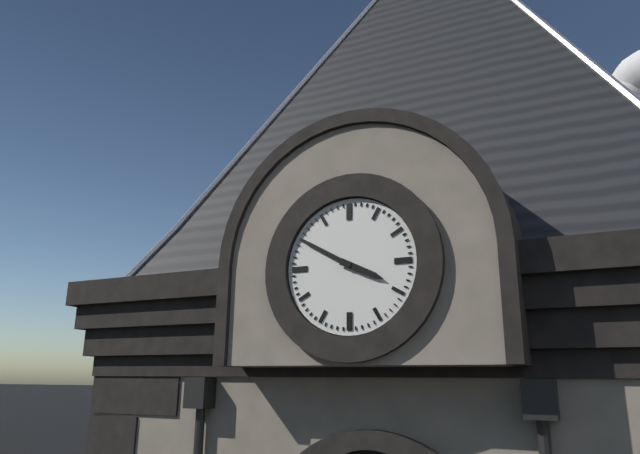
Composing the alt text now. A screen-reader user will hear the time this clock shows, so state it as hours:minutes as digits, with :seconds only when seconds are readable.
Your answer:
3:50
